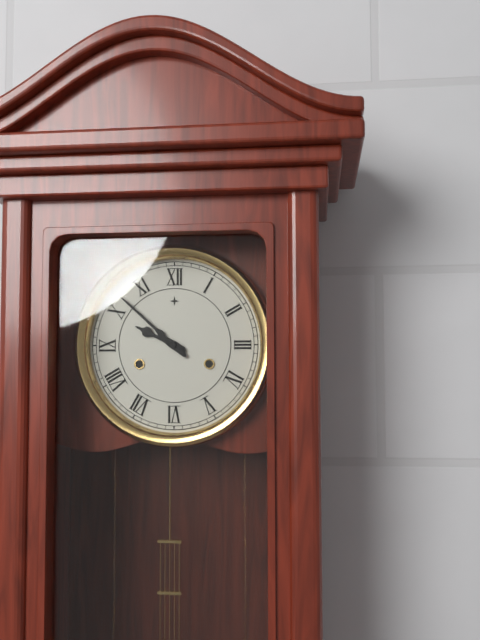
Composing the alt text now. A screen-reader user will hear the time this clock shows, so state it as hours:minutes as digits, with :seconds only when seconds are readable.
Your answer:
9:52
